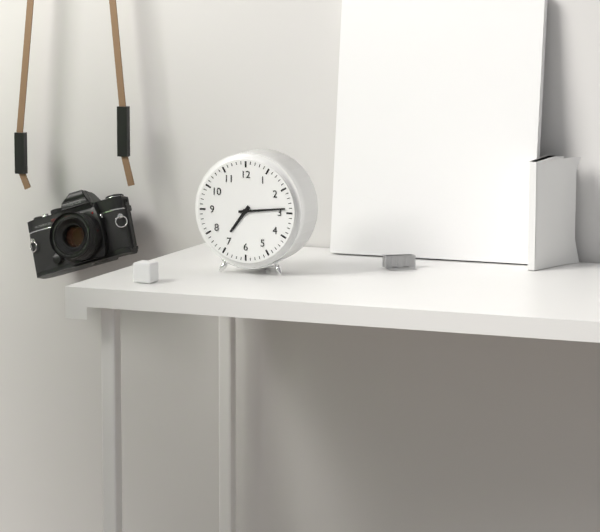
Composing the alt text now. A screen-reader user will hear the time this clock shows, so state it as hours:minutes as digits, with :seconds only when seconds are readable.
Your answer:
7:14
